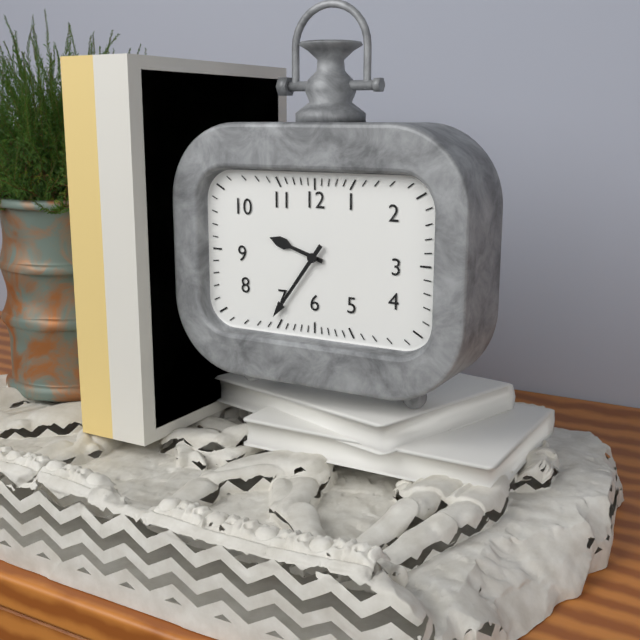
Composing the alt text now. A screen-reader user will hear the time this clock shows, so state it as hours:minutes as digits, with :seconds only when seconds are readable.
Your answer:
9:36
